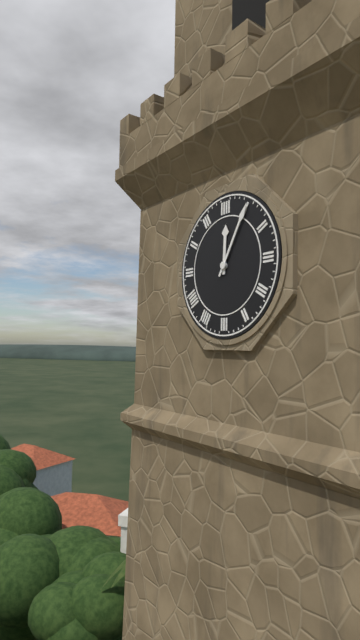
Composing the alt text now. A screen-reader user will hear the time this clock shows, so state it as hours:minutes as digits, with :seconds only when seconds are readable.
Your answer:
12:05
